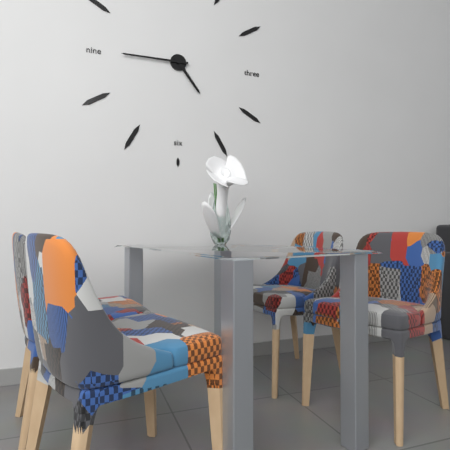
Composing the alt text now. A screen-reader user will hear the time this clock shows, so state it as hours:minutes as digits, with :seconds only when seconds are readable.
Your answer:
4:45
